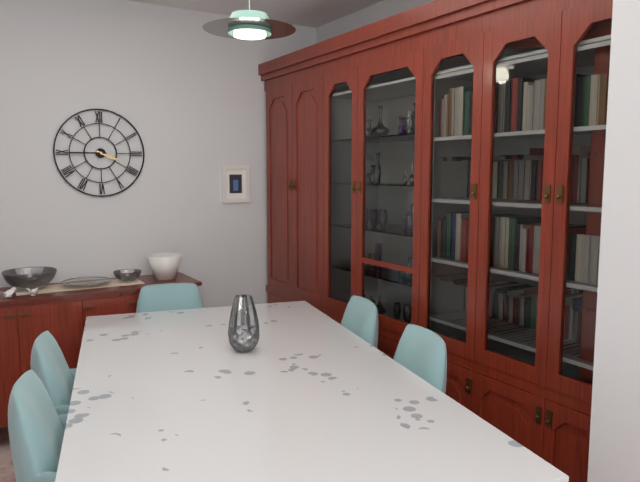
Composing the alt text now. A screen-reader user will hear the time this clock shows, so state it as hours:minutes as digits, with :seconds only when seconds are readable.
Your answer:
3:45
